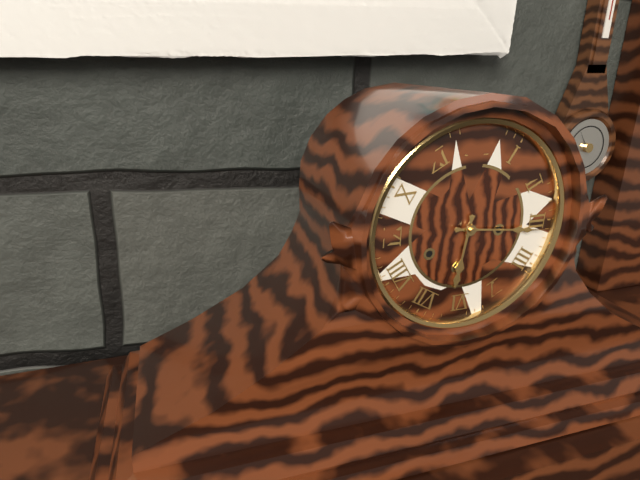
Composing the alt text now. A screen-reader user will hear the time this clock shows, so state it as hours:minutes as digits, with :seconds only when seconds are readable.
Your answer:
6:16
